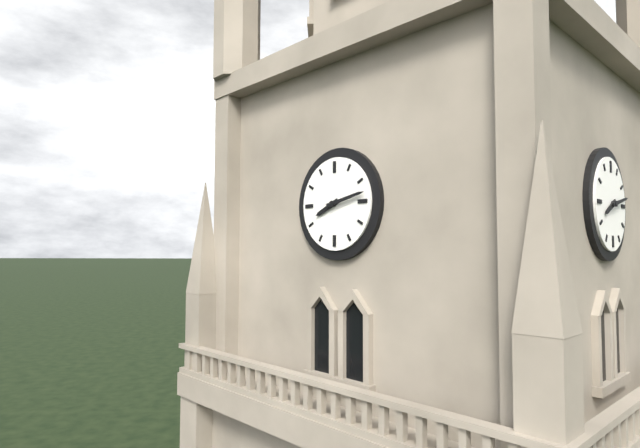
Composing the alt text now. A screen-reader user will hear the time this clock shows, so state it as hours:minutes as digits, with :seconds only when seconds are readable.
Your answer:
8:13
